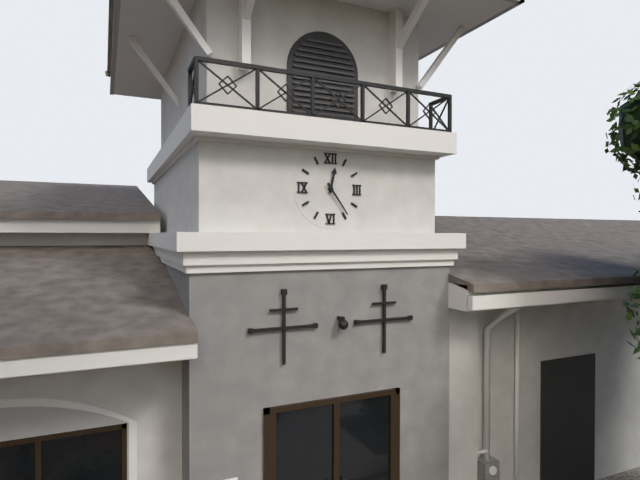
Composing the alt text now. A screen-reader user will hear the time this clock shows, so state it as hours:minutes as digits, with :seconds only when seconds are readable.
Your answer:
12:24
